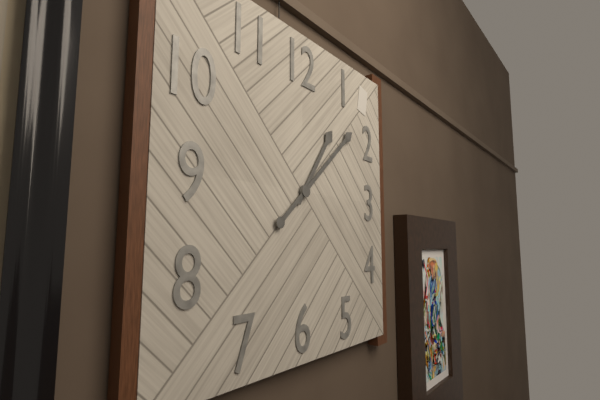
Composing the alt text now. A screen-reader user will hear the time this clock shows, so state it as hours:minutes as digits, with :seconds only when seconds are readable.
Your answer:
1:08
